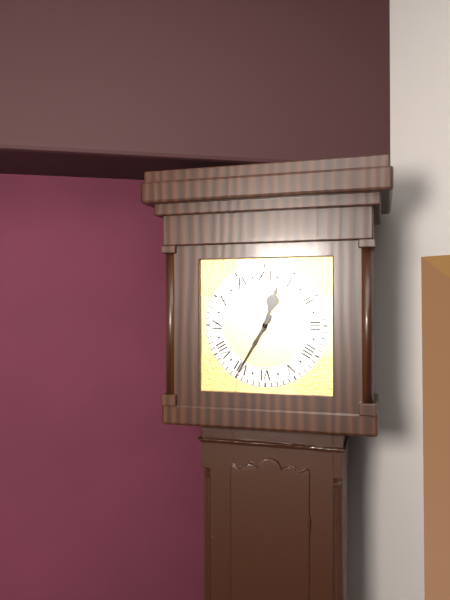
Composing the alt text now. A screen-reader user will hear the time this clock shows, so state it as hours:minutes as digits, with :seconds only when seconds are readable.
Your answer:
12:35
